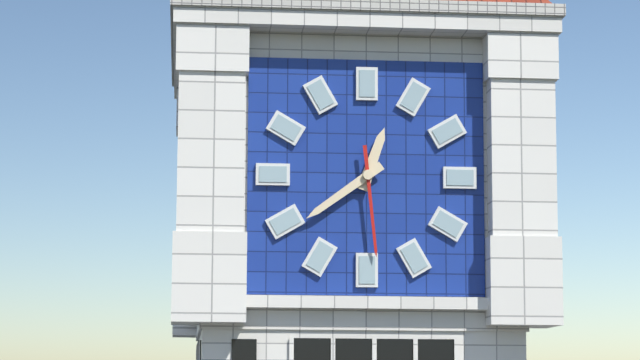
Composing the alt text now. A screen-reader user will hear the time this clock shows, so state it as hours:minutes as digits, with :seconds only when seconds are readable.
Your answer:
12:39:29
